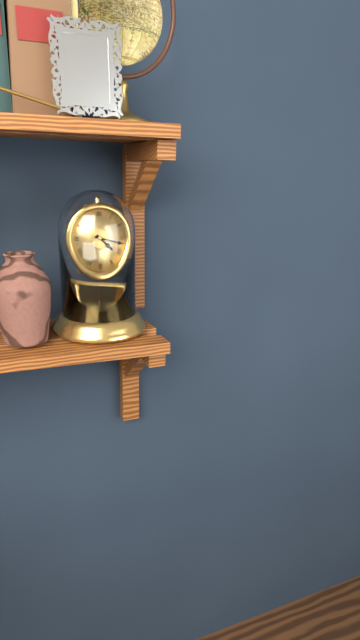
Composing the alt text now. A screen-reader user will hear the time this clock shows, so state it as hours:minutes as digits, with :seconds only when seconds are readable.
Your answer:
4:17
